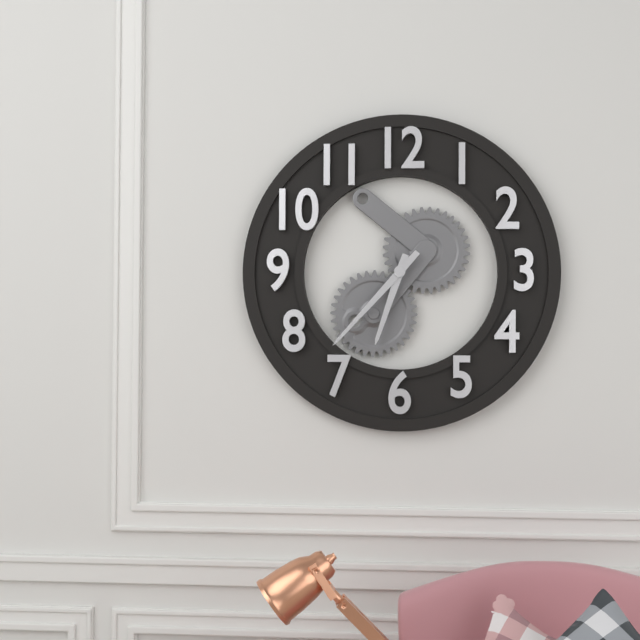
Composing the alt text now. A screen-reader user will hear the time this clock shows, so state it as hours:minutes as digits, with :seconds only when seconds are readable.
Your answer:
6:37
